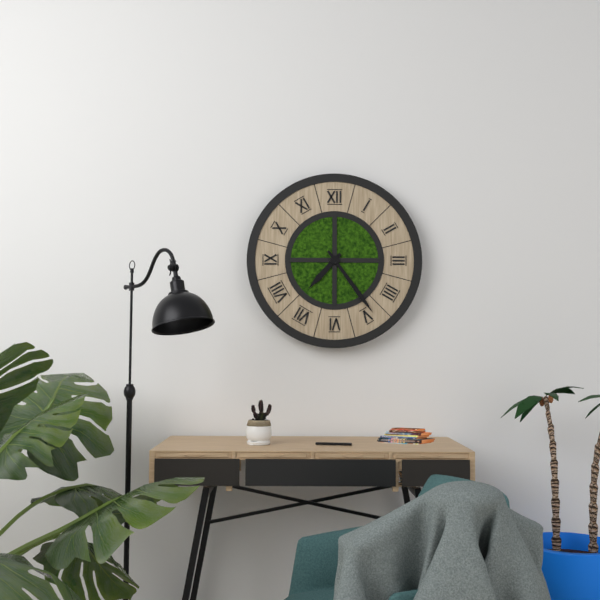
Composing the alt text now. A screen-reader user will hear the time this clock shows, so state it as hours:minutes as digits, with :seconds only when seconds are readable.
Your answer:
7:24
